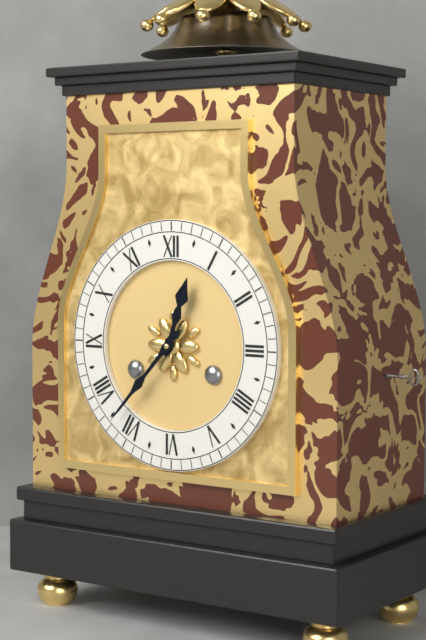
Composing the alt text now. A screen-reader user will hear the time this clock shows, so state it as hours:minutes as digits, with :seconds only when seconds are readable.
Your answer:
12:37
